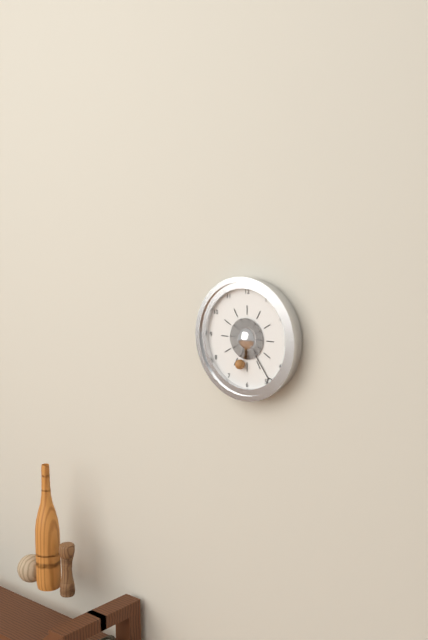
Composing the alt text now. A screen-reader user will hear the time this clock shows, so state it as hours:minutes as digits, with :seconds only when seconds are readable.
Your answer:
6:24
